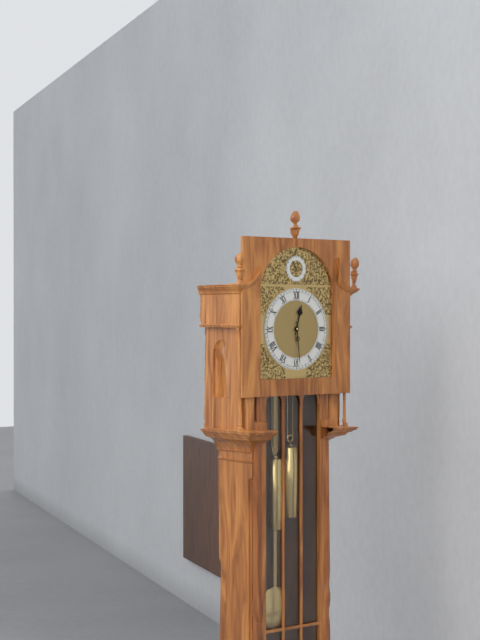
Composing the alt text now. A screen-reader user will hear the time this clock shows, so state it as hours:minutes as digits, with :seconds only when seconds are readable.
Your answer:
12:29
